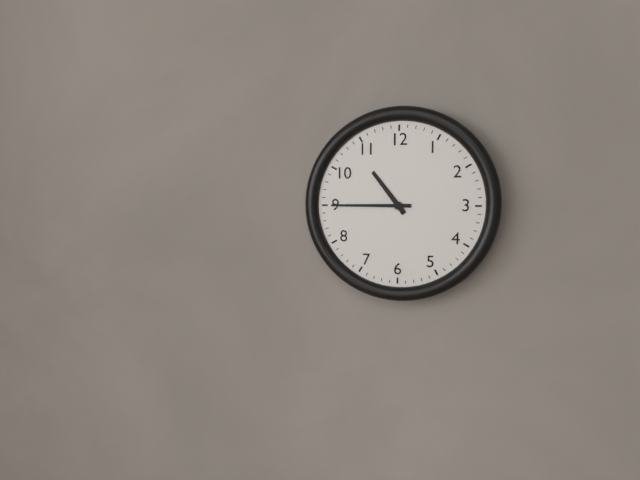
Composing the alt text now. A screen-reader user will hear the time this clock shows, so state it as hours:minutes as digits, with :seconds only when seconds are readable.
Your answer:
10:45
